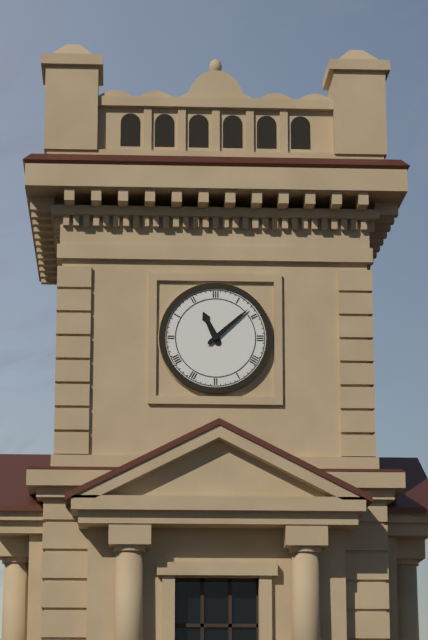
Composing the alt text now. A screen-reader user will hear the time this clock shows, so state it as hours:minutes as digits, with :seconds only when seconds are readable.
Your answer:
11:08
